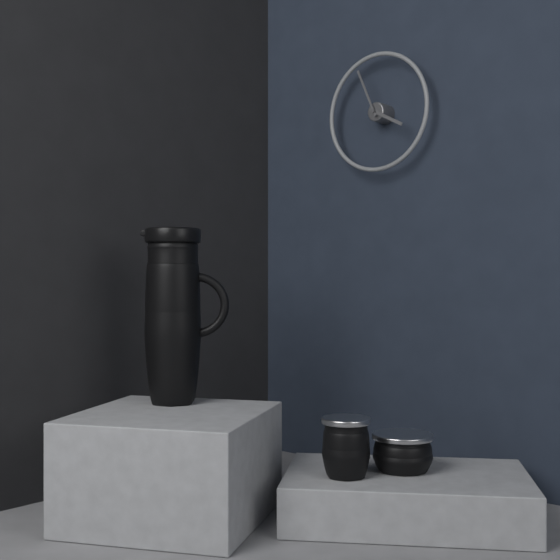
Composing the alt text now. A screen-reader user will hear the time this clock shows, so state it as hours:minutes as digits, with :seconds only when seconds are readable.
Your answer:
3:56
